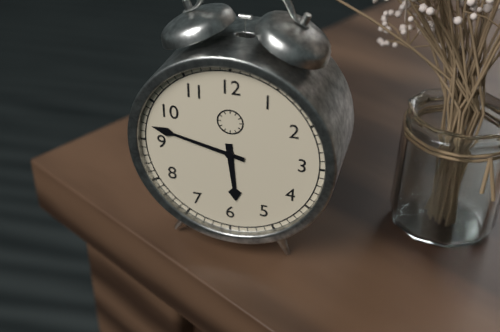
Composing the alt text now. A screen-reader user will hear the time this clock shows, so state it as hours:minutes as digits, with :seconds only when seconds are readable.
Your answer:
5:47
